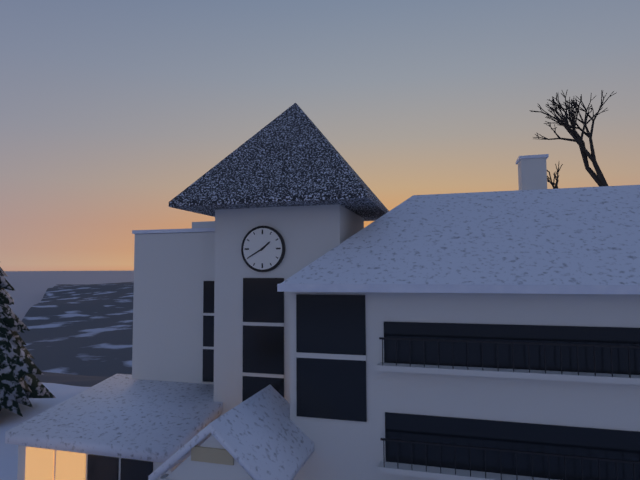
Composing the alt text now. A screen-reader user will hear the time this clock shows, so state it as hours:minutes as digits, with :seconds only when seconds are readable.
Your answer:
1:40
